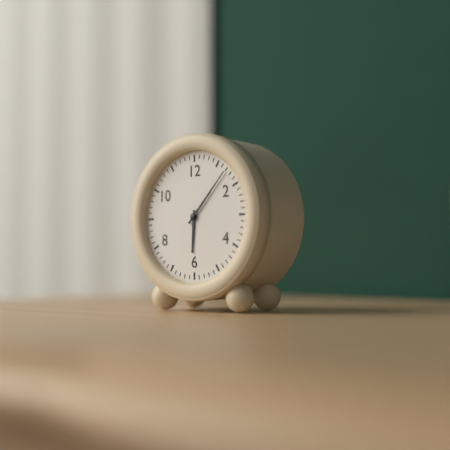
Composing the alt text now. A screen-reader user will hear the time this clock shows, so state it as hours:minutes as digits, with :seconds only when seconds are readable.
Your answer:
6:07
